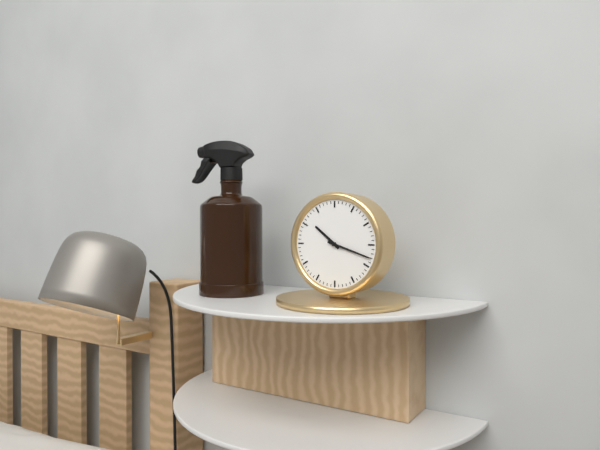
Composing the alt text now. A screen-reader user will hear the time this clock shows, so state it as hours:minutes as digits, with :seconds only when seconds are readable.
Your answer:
10:18
